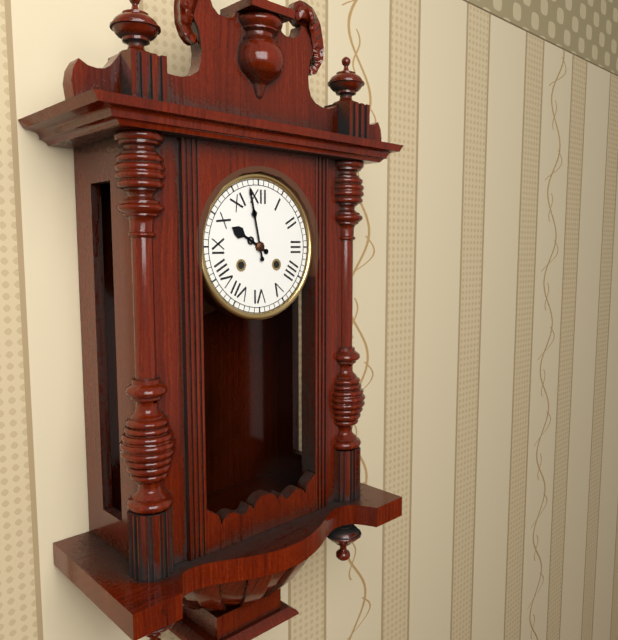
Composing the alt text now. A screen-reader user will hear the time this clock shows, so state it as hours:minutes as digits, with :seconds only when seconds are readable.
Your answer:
9:58
